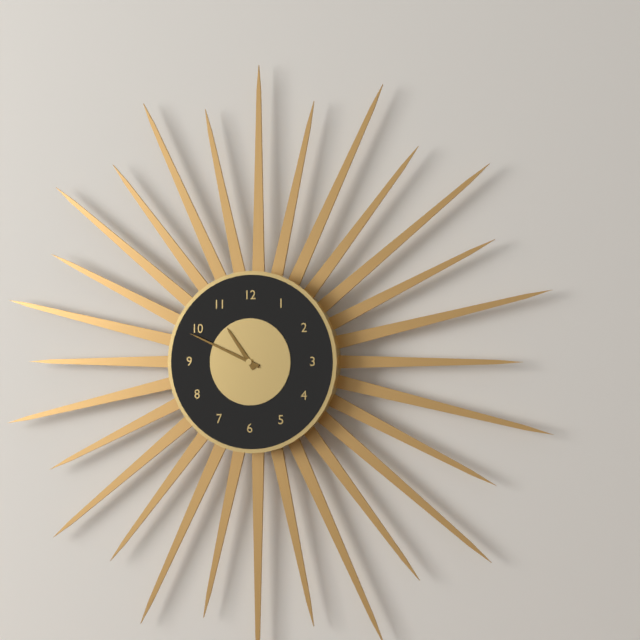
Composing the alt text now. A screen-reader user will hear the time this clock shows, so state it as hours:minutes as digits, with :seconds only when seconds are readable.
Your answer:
10:49
